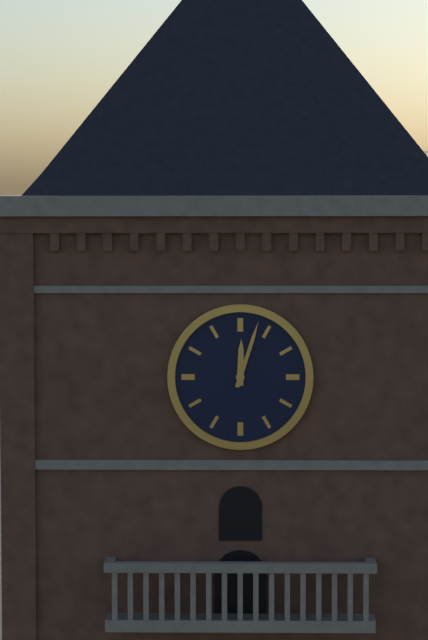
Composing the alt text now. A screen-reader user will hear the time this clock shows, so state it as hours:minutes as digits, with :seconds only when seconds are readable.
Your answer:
12:03
